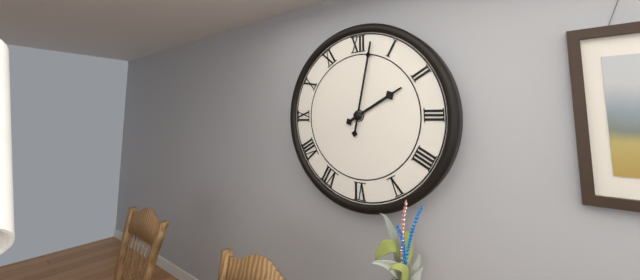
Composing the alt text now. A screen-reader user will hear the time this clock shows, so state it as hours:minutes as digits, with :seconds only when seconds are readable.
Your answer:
2:02
